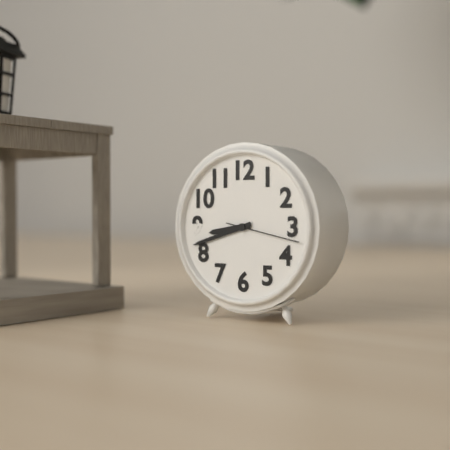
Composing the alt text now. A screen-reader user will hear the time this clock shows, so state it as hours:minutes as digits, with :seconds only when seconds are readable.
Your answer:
8:42:17
